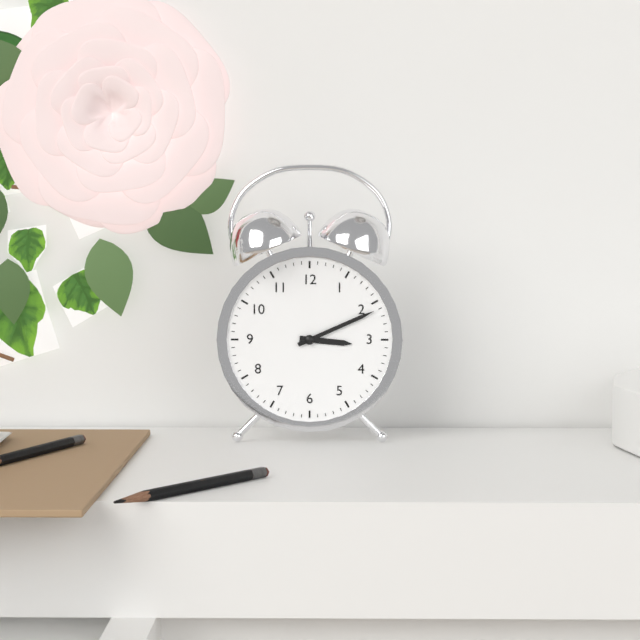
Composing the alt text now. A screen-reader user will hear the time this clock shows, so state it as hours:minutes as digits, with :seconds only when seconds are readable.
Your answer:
3:11
